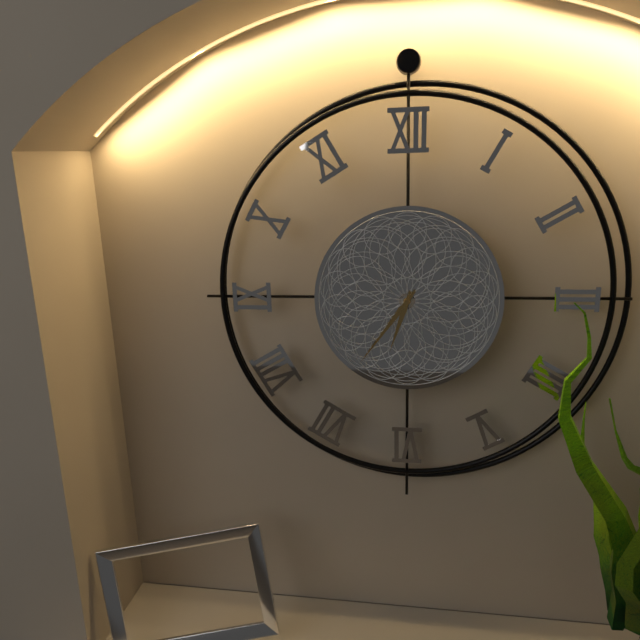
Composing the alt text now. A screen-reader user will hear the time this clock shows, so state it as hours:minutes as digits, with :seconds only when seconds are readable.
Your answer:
6:36
